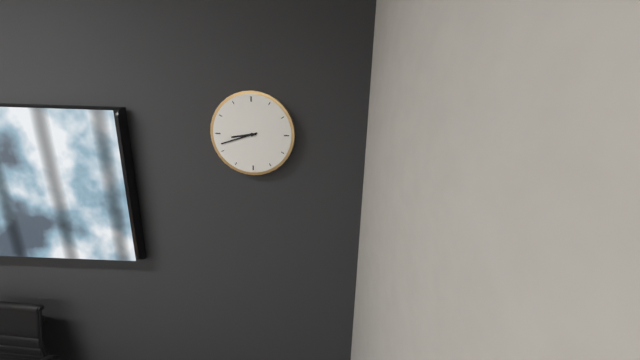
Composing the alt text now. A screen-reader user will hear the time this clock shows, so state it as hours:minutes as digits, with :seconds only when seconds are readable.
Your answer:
8:42
